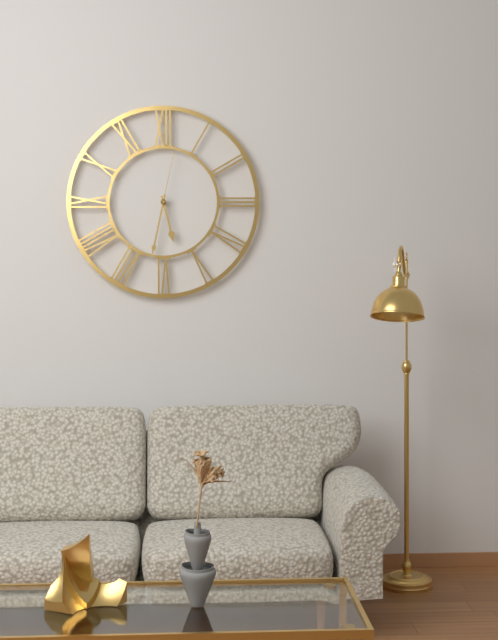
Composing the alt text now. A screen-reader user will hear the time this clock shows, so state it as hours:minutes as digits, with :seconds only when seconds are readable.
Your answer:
5:32:02
